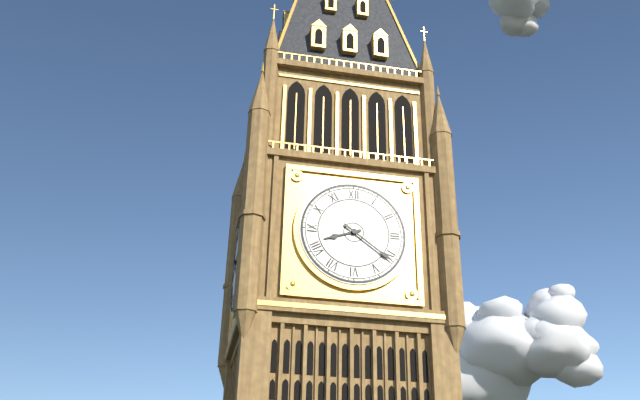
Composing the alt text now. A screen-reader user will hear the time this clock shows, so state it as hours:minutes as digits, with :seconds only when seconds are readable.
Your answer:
8:21
